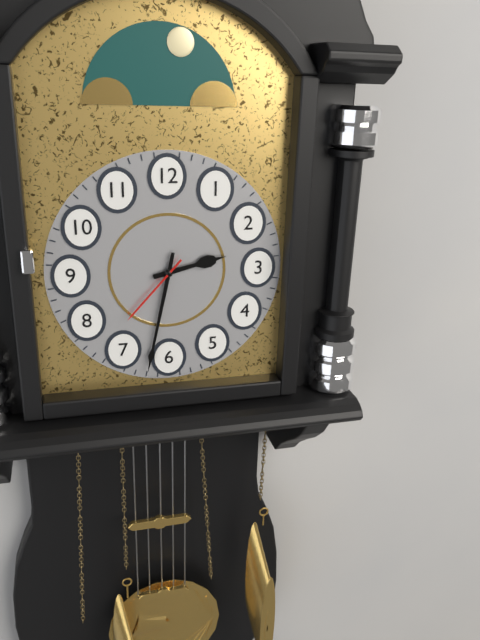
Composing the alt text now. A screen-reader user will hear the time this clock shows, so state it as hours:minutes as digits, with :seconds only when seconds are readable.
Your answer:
2:32:37
